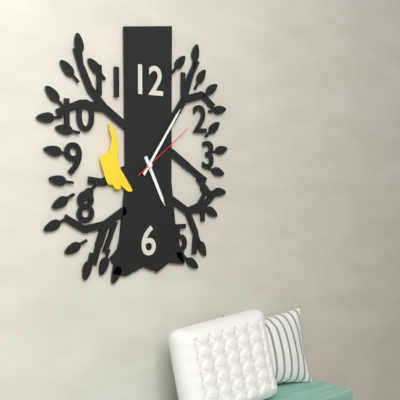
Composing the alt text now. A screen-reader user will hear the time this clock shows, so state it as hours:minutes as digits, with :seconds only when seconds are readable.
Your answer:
5:06:09
